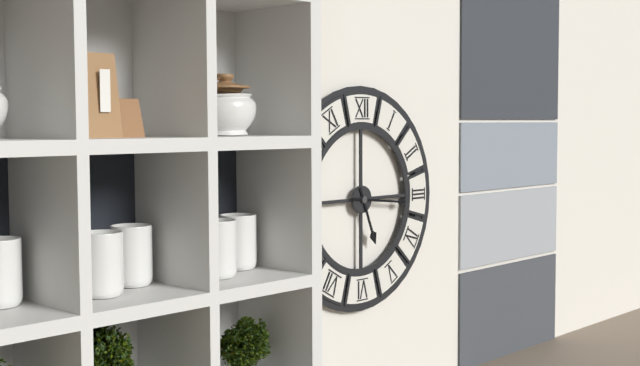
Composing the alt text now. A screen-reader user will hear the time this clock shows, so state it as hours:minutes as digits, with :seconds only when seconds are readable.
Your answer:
5:16
